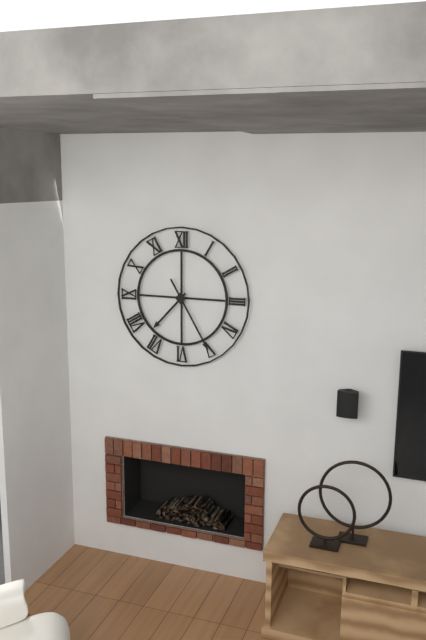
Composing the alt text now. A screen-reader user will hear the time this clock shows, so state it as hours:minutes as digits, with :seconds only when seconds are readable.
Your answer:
7:25
